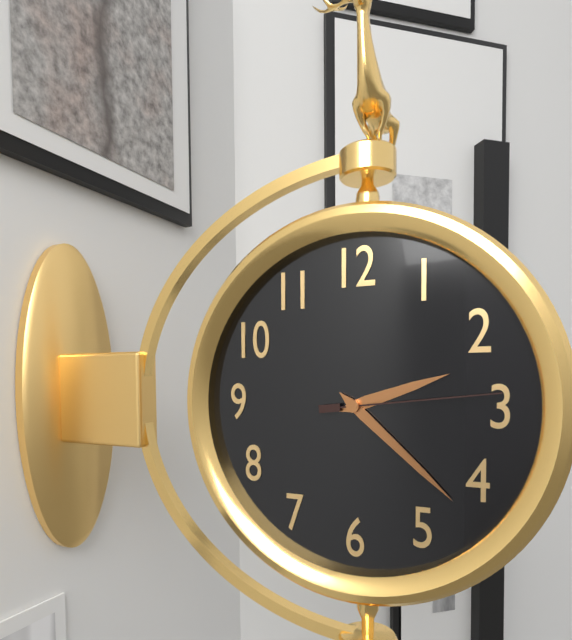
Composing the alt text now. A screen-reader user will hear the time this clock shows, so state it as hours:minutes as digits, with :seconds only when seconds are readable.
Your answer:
2:22:14
